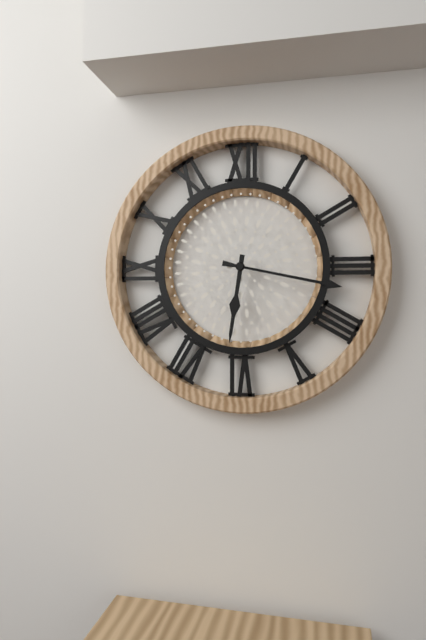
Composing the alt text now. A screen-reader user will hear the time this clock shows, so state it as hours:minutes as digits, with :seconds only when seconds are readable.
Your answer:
6:17
